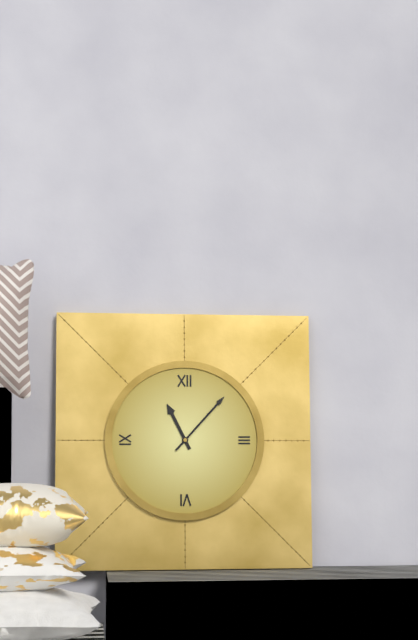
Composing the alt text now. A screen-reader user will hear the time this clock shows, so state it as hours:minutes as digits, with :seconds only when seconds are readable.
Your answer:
11:07
